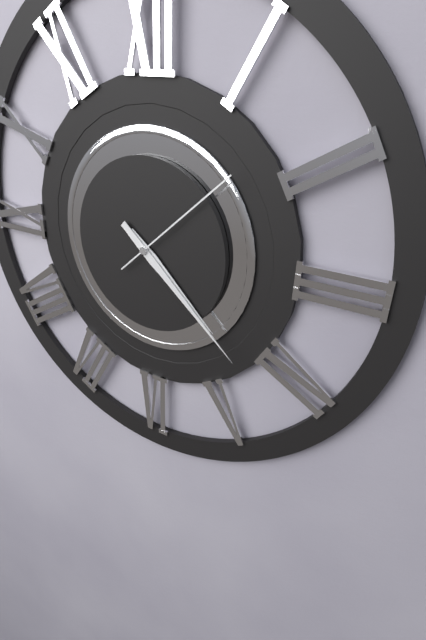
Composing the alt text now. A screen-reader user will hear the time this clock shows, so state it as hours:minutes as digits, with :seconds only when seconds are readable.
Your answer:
4:22:08
